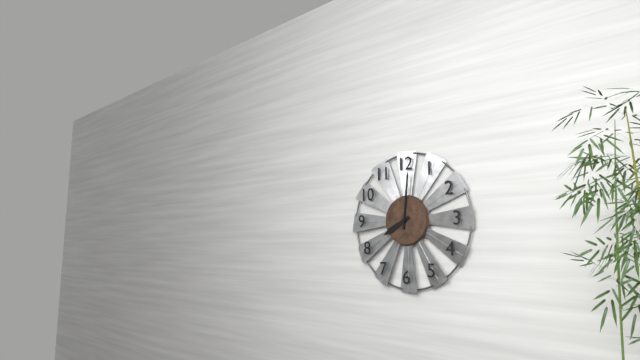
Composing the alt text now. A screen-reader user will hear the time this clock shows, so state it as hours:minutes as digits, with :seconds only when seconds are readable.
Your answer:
8:01
